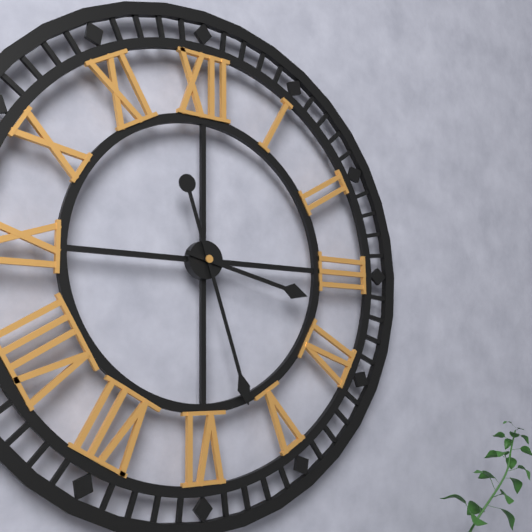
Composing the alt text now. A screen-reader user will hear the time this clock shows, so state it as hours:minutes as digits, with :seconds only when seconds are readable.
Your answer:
3:27
